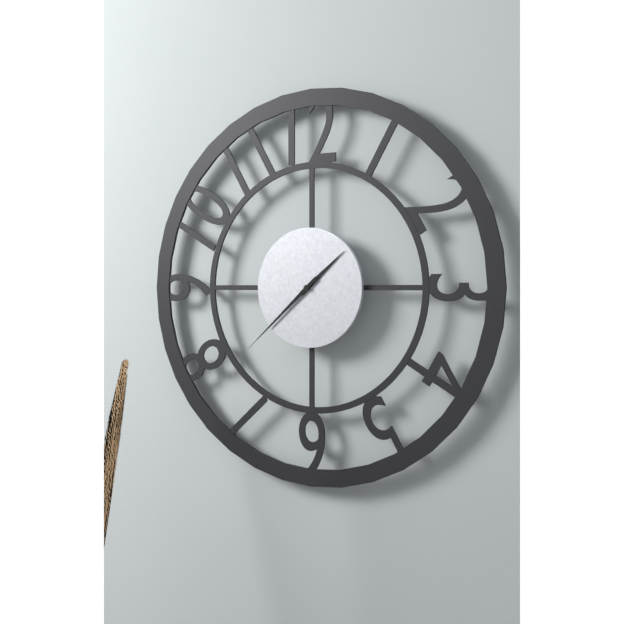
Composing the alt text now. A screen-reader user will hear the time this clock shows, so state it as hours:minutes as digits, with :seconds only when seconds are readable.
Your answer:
1:38
